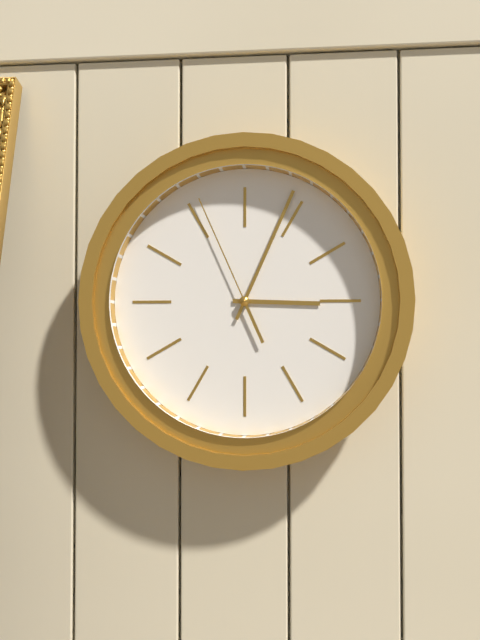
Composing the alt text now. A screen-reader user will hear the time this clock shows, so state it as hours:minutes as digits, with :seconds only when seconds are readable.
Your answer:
3:04:56
